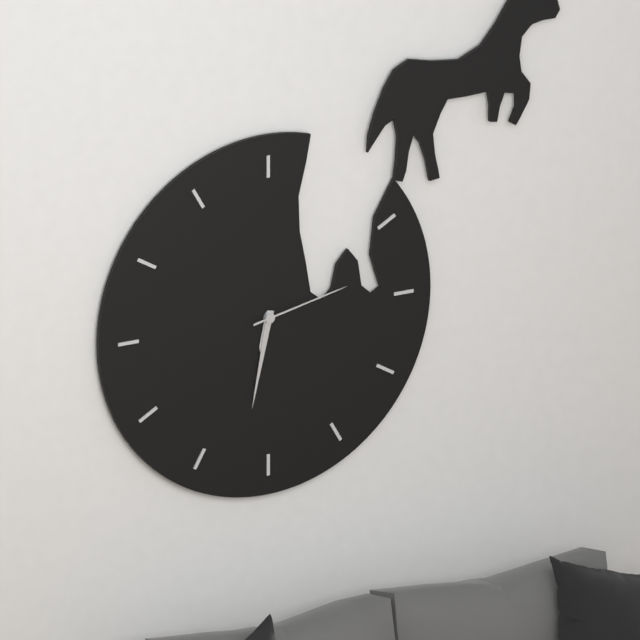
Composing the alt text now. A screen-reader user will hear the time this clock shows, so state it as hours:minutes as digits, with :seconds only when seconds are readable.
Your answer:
6:32:13
